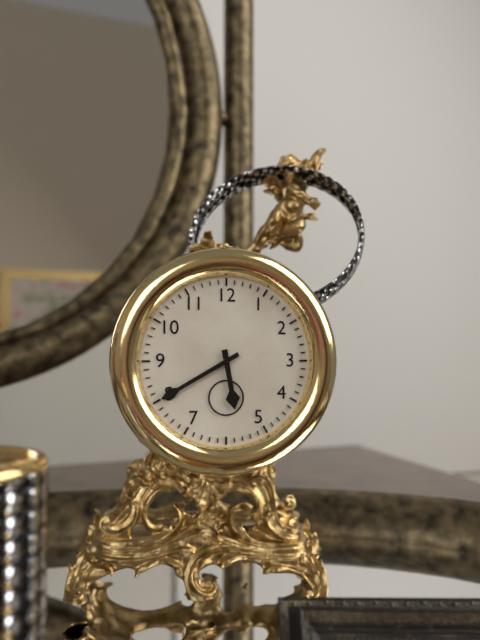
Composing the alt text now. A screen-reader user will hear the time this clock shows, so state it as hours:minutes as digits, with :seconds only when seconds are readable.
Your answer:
5:40
